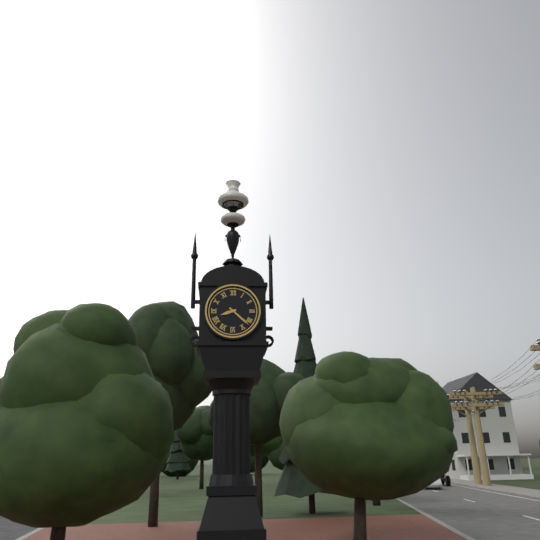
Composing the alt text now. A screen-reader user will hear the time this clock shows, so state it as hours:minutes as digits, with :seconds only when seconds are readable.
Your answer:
8:22
